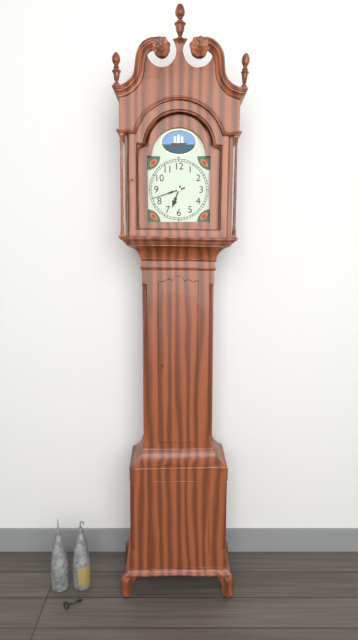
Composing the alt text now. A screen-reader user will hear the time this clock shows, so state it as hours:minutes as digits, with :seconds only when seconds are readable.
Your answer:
6:42
